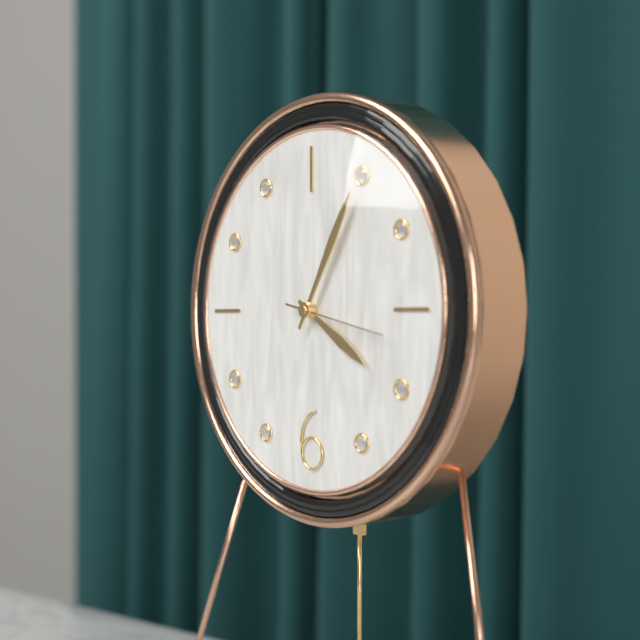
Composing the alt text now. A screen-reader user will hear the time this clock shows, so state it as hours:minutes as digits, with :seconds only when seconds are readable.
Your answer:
4:05:17
